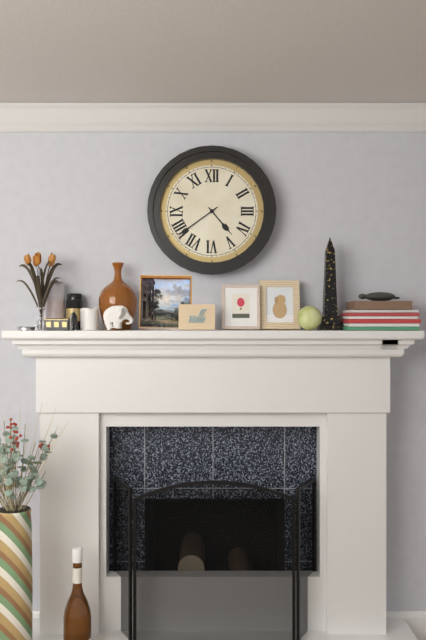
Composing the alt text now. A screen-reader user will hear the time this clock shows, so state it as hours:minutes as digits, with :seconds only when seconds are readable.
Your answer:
4:39
